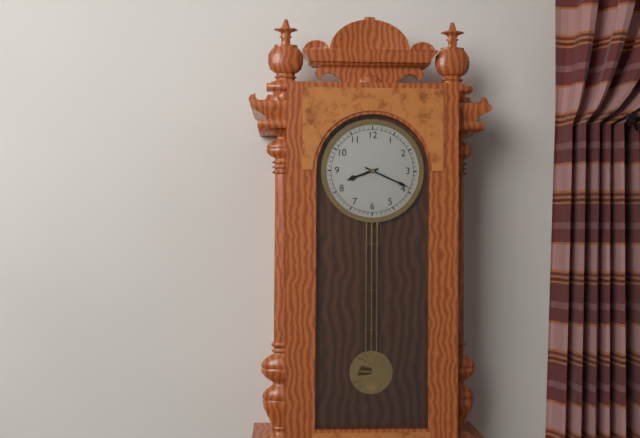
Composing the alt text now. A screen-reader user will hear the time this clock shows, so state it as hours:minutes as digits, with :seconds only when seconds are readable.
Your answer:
8:19
